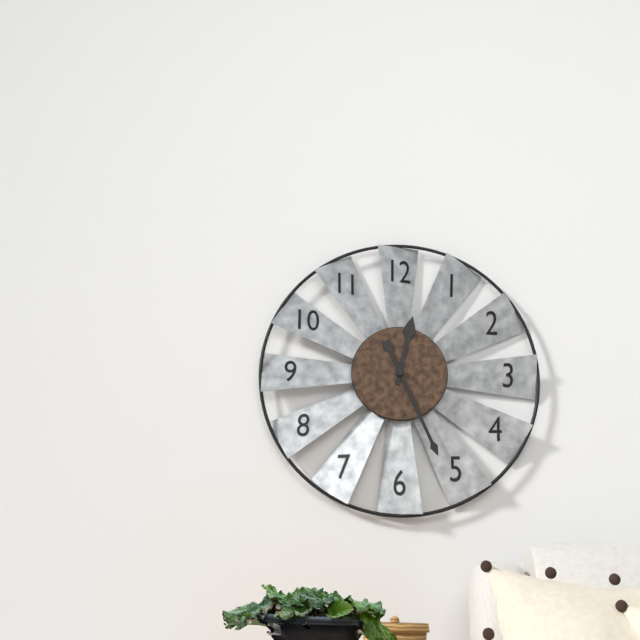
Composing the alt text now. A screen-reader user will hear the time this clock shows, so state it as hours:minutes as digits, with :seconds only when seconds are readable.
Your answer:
12:26
